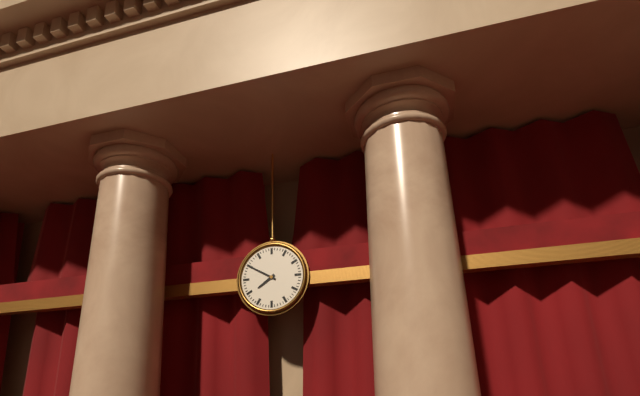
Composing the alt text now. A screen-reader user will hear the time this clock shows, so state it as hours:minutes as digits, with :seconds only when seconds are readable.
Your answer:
7:50
